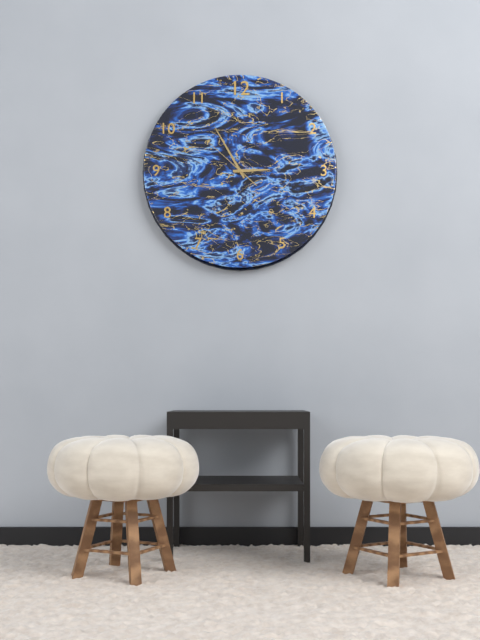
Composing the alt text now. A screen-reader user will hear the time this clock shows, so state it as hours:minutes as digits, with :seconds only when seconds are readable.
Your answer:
2:55:52
